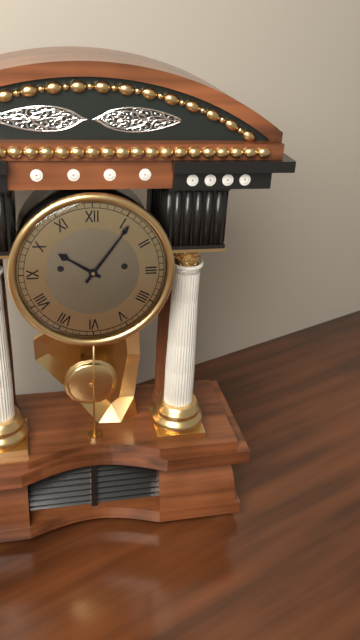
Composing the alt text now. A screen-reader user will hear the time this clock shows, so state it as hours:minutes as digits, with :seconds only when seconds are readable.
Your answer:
10:06
